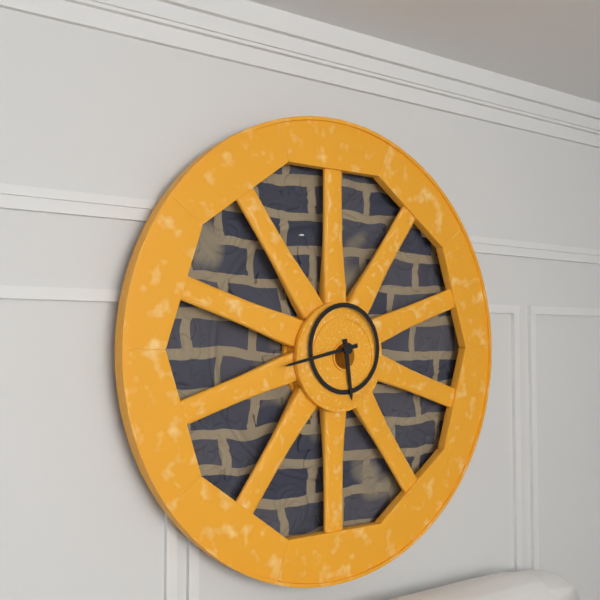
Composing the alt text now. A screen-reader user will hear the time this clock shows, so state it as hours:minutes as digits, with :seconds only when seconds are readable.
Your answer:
5:43
